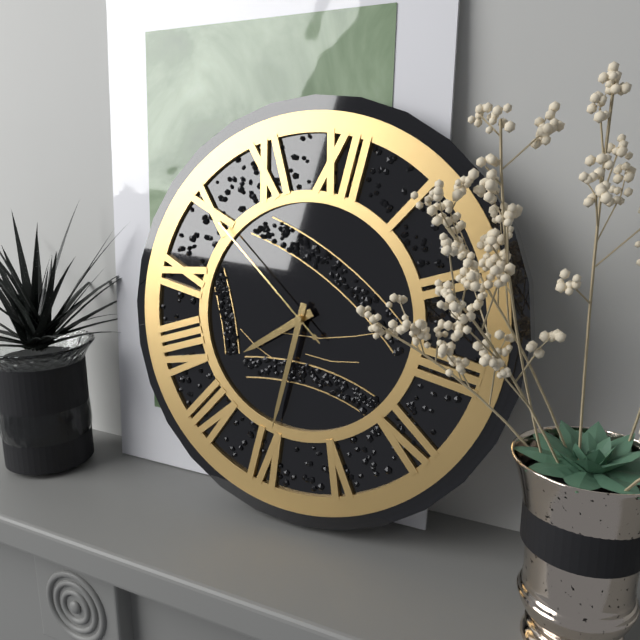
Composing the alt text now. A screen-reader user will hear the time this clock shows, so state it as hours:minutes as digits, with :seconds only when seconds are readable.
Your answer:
7:30:50
